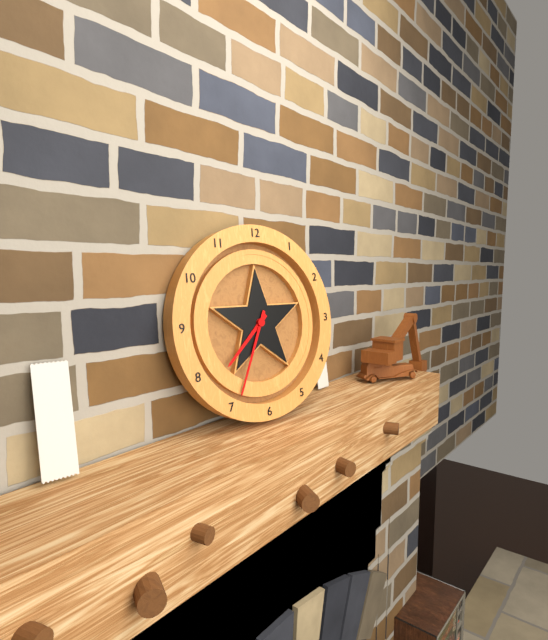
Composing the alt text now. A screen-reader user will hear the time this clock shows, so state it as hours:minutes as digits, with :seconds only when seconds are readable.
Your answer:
7:34
